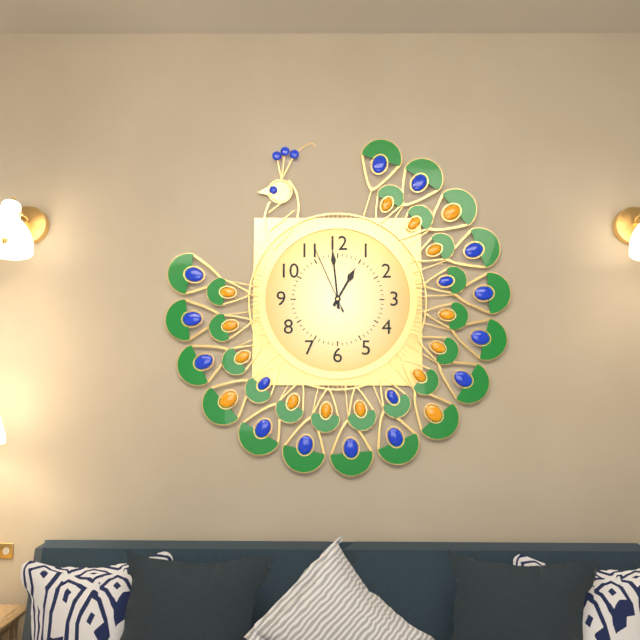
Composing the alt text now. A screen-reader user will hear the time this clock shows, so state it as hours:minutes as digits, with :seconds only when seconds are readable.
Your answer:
12:59:56
